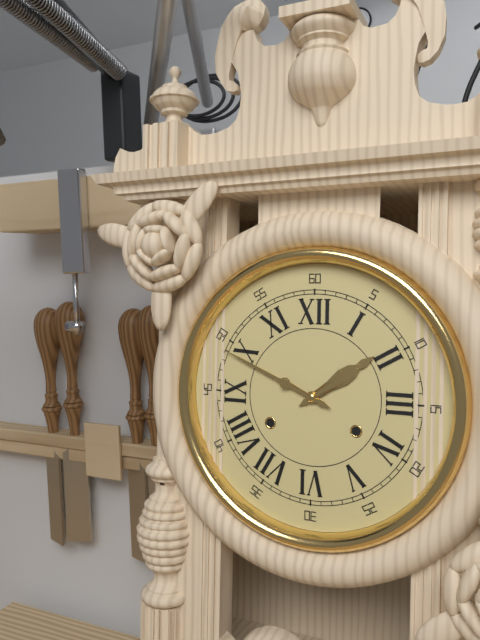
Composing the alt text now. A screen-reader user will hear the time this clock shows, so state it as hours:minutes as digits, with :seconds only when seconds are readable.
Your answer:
1:49
